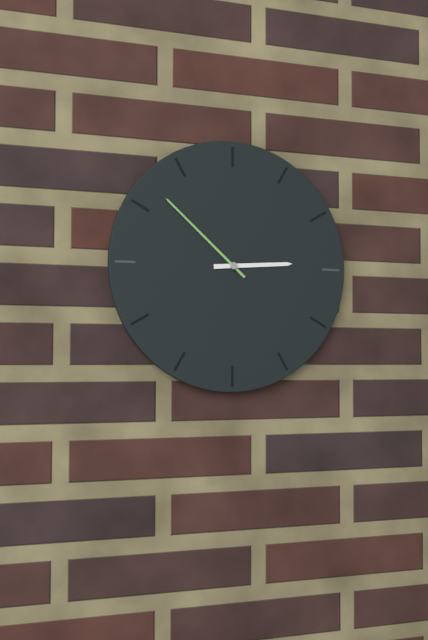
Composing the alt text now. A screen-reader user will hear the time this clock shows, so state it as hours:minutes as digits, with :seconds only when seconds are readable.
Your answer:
2:52
